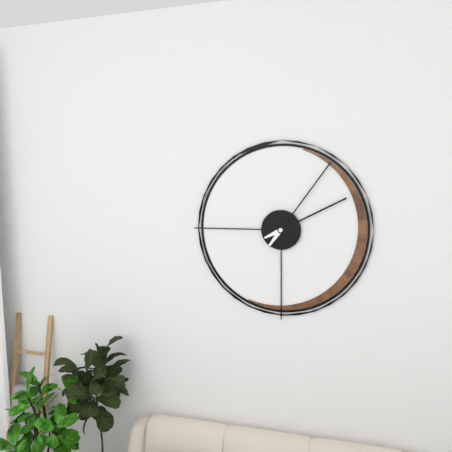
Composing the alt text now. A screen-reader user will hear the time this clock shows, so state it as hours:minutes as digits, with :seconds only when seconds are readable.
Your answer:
2:06
